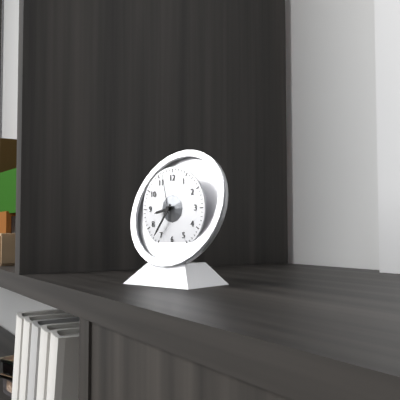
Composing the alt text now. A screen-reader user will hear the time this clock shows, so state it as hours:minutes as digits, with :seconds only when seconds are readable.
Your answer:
8:36
